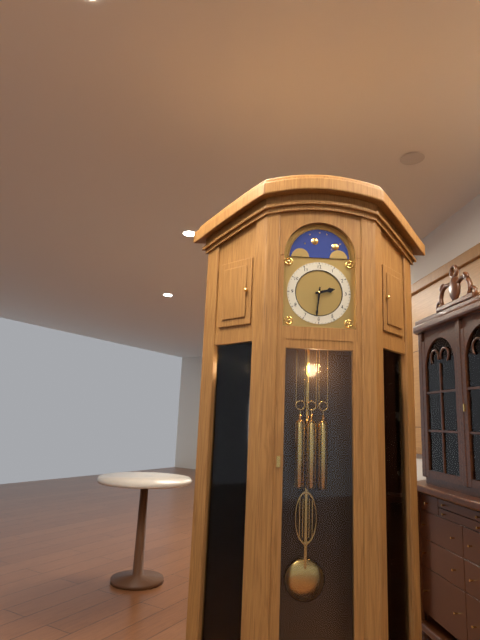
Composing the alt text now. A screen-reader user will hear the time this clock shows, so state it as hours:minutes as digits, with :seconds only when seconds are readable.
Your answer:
2:31
